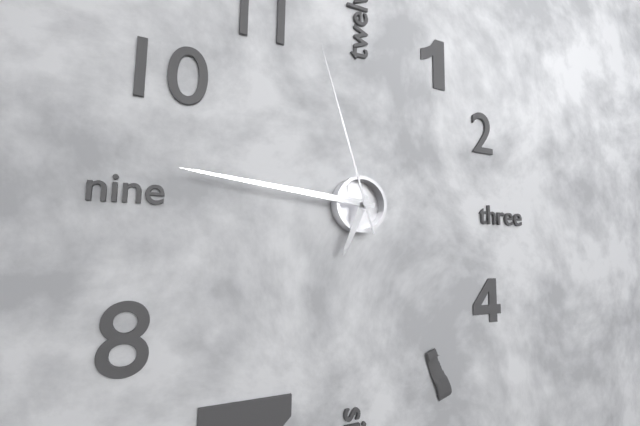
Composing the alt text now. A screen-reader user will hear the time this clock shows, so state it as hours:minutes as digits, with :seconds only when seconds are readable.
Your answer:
6:46:57
